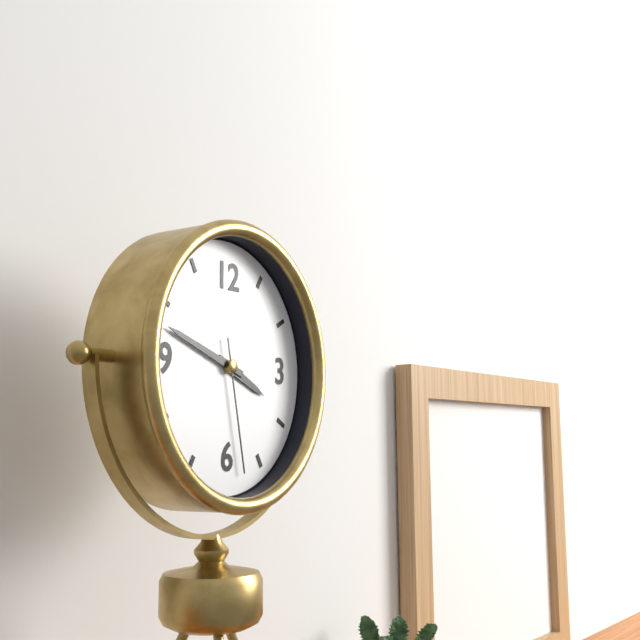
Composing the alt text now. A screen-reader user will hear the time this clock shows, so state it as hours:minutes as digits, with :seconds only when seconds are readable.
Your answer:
3:48:28
